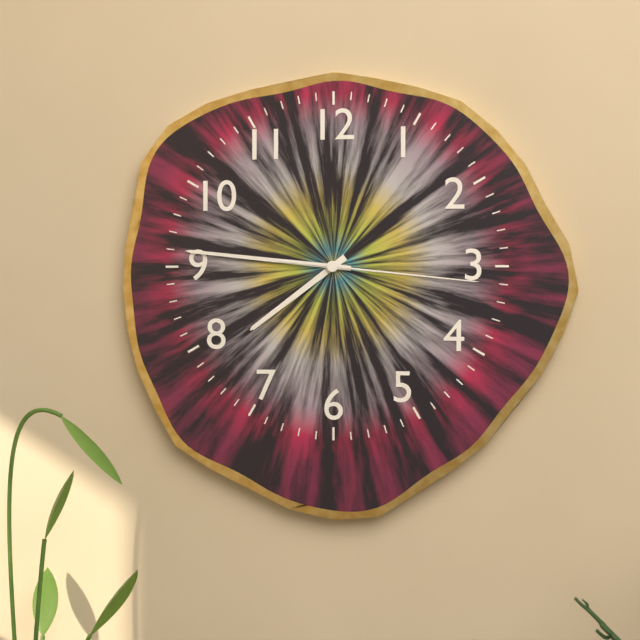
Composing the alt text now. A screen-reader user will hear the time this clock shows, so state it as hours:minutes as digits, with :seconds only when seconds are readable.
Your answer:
7:46:16
